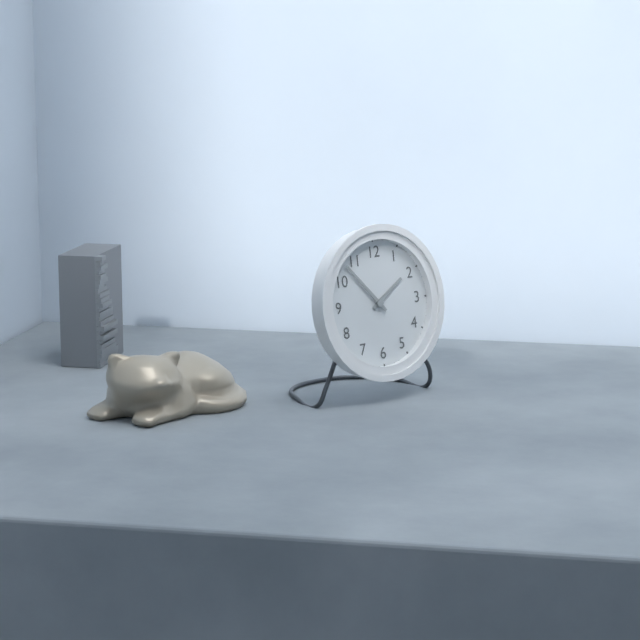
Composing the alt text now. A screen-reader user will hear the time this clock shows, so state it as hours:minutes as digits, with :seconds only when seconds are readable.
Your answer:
1:53
